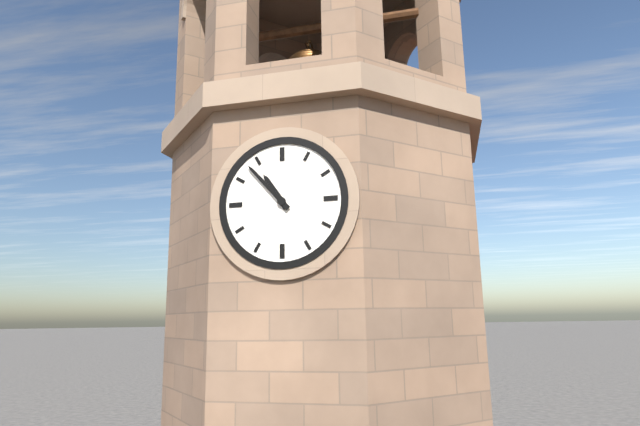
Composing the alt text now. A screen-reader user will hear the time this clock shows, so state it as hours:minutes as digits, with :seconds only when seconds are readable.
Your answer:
10:53
